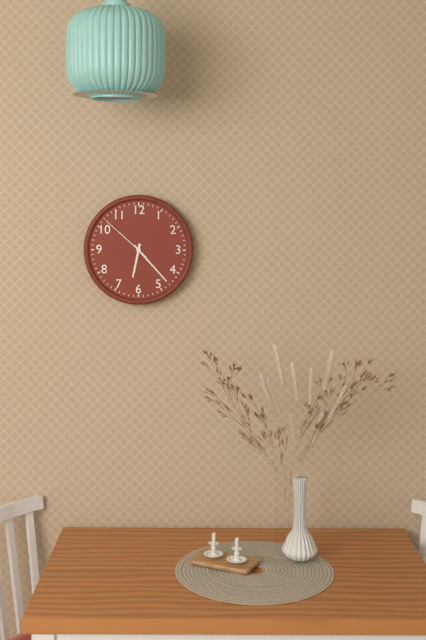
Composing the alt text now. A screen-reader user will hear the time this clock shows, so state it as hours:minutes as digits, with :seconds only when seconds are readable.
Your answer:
6:23:52
